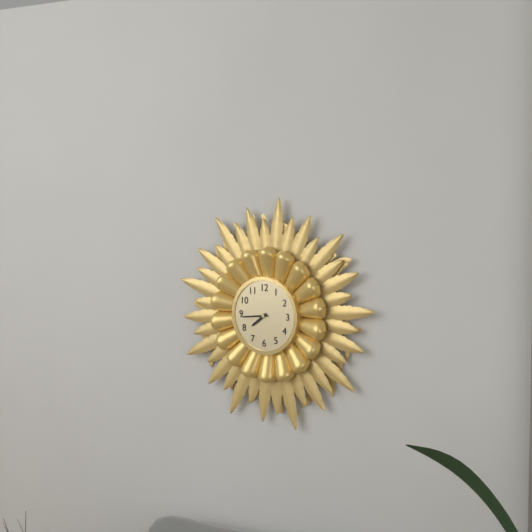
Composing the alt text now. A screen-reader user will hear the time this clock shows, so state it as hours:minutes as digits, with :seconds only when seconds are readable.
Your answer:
7:44
